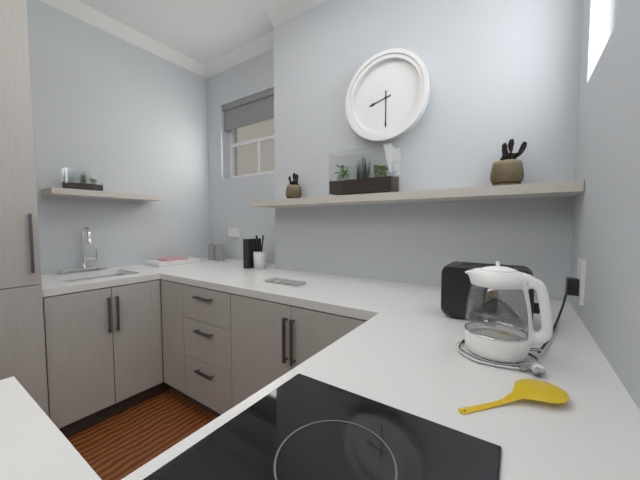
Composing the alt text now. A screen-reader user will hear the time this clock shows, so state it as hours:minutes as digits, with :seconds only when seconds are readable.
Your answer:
8:30
